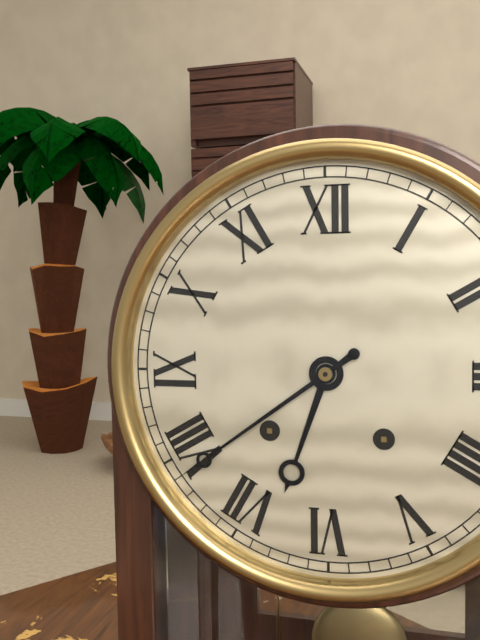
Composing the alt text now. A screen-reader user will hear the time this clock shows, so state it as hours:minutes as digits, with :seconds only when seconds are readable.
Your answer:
6:39
